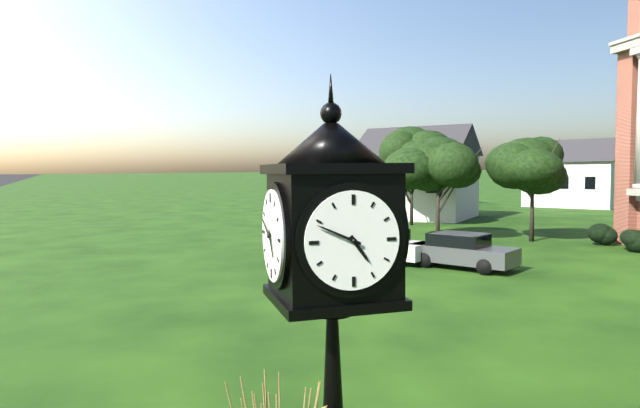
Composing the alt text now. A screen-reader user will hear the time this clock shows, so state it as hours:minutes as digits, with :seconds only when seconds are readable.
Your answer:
4:49
